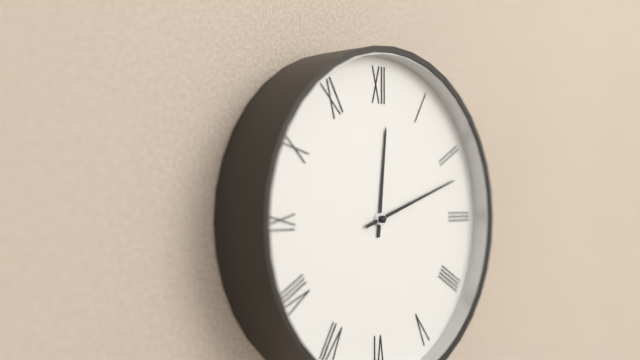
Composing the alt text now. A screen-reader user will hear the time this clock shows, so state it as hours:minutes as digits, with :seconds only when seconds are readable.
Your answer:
12:12
